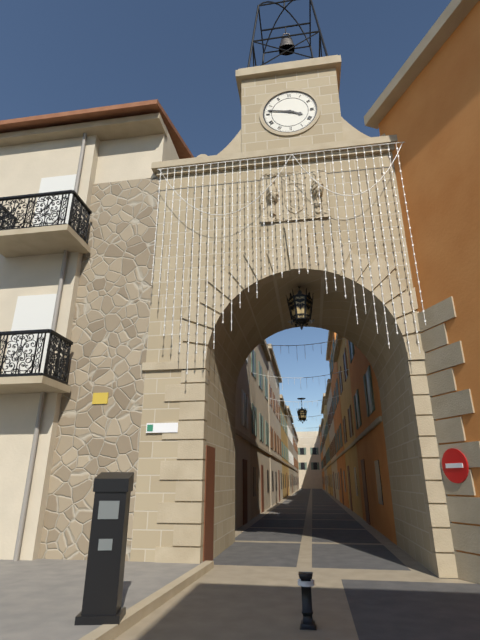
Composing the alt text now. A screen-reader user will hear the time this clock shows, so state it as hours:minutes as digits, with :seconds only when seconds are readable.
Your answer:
3:47
